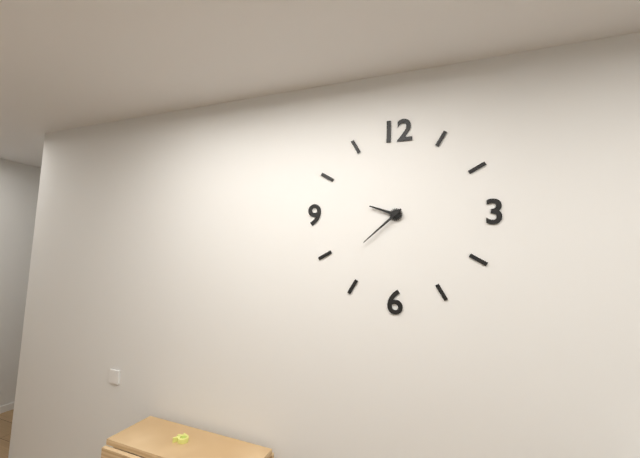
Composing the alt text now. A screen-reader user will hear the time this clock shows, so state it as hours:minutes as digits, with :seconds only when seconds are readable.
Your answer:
9:38
